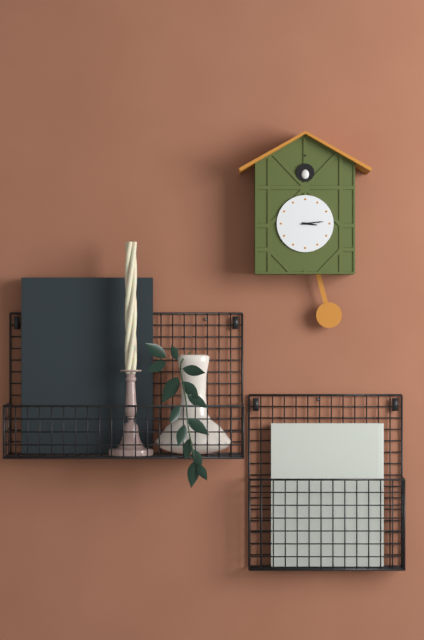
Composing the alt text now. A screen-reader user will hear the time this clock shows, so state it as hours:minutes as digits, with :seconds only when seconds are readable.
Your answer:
3:14
